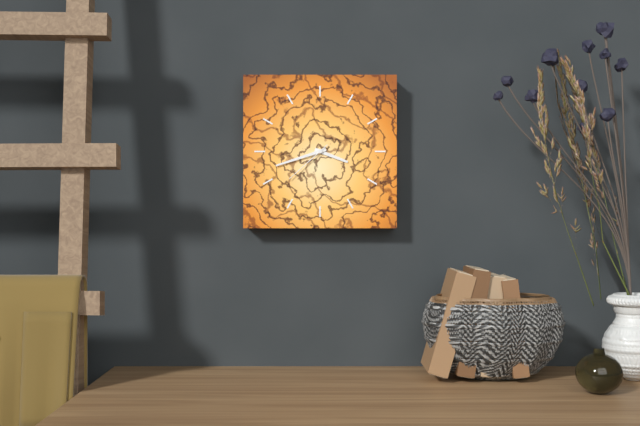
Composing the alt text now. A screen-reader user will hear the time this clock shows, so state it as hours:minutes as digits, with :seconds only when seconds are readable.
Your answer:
3:42:38
